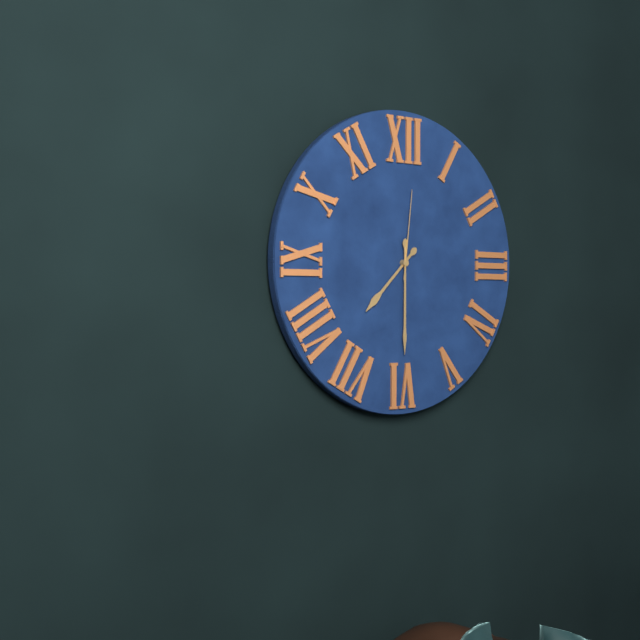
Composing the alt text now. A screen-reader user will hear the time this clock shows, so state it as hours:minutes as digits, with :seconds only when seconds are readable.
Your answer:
7:30:01
